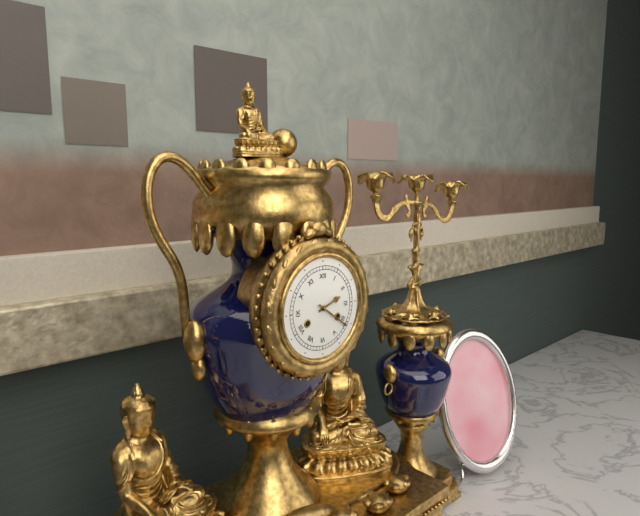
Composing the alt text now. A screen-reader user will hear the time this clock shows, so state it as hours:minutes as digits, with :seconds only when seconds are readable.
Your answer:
2:21
